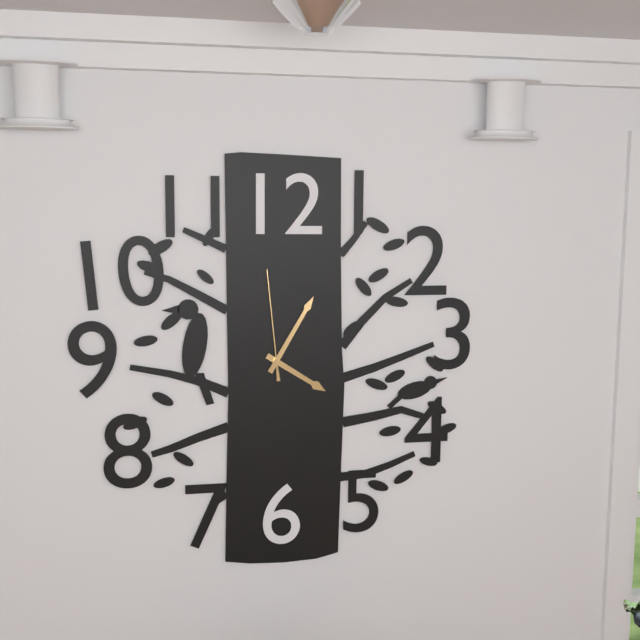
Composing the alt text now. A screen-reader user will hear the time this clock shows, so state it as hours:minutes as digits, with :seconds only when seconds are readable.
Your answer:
4:05:59
